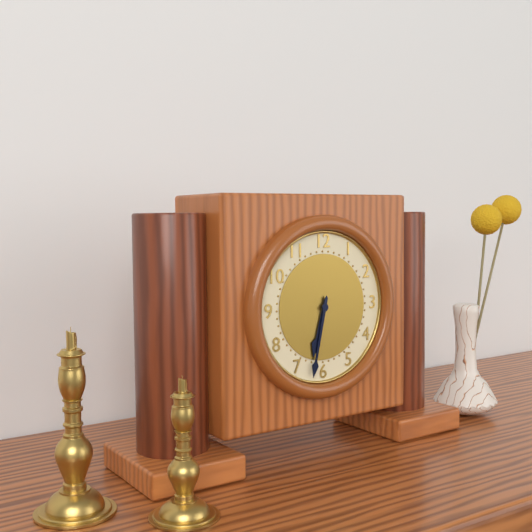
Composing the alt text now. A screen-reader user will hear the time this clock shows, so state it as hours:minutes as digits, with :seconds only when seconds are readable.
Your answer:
6:32
